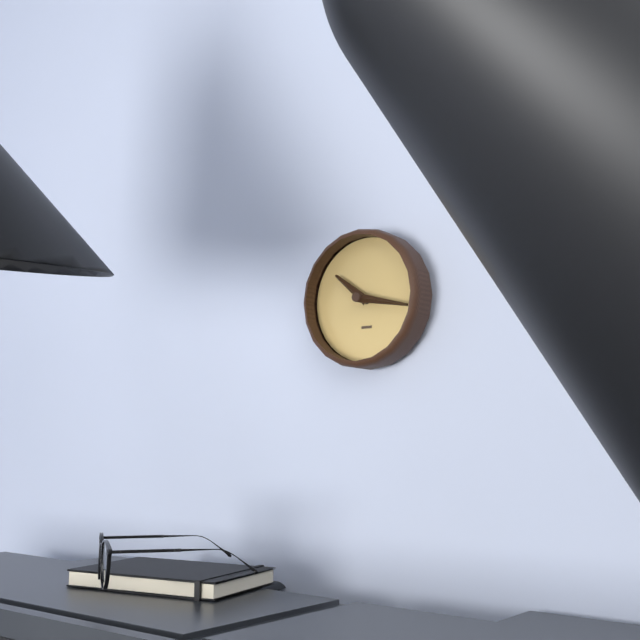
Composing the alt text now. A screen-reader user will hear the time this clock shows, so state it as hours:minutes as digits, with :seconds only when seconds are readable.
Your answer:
10:17
